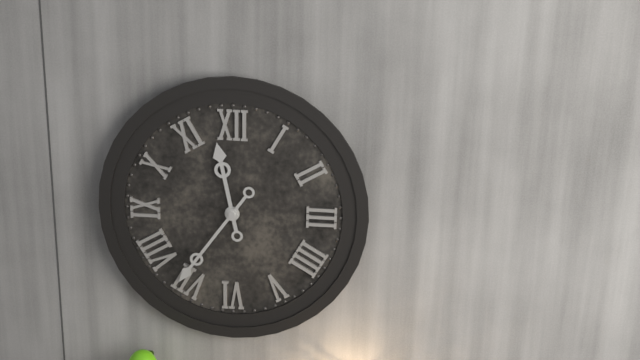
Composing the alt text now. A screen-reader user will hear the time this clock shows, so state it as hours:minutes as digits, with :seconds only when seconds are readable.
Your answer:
11:36
